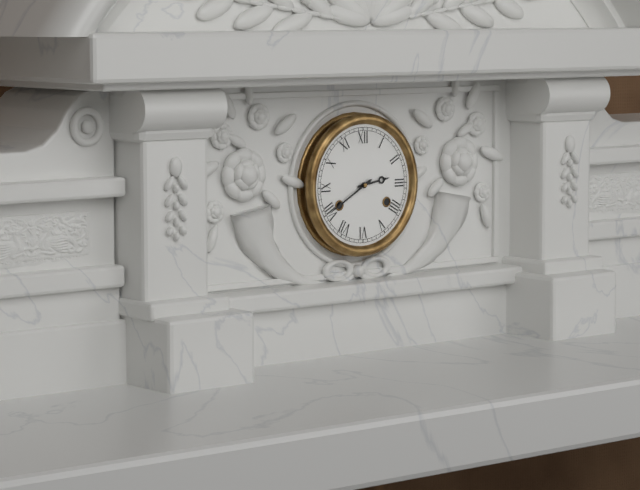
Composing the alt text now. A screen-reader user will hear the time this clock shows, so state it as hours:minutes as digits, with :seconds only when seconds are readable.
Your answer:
2:40
